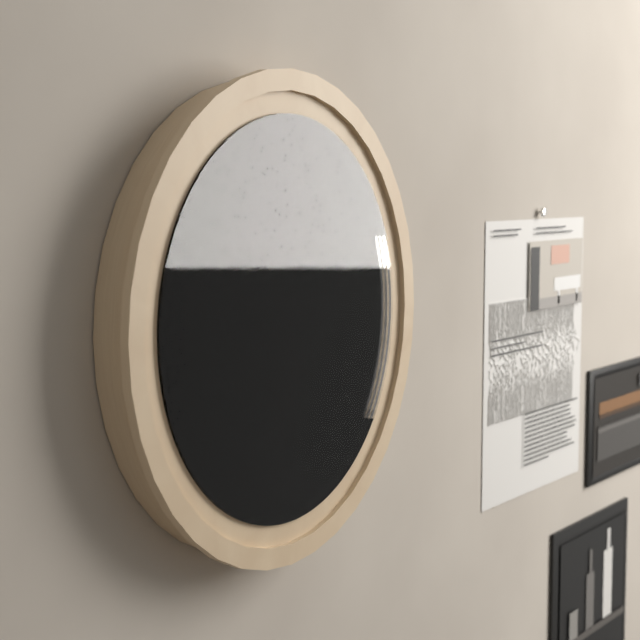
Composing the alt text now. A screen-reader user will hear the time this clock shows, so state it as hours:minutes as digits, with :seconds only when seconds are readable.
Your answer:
2:27
